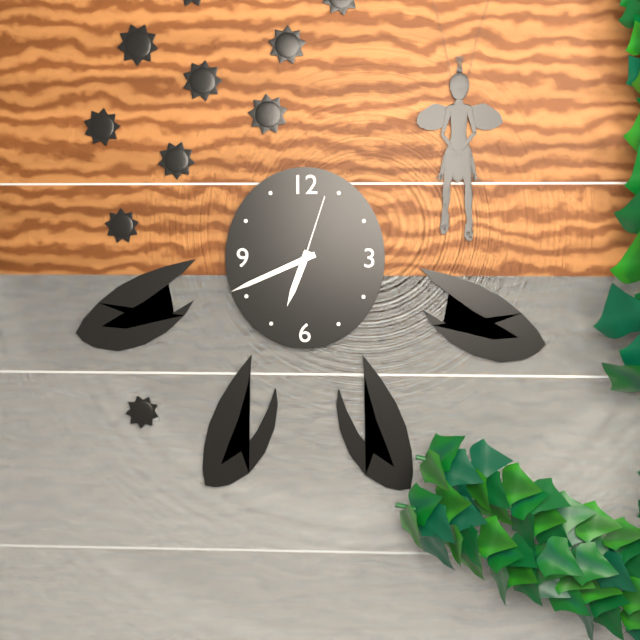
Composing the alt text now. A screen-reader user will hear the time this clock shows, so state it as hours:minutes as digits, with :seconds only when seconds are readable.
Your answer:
6:41:03
